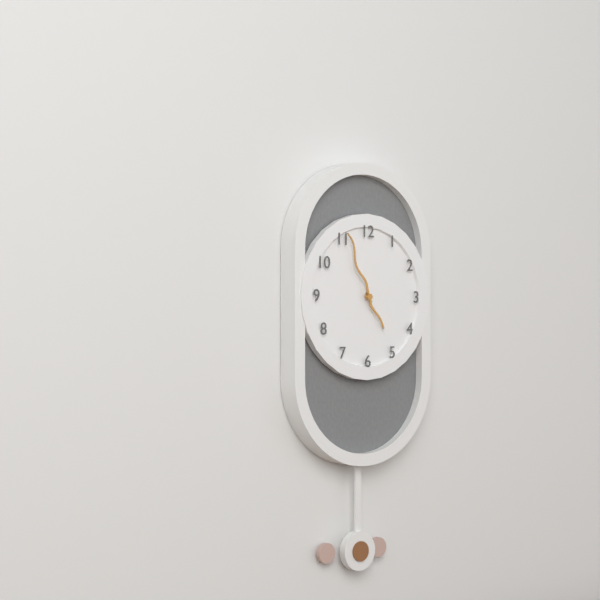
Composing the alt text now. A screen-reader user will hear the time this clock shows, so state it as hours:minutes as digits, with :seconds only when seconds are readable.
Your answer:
4:56
